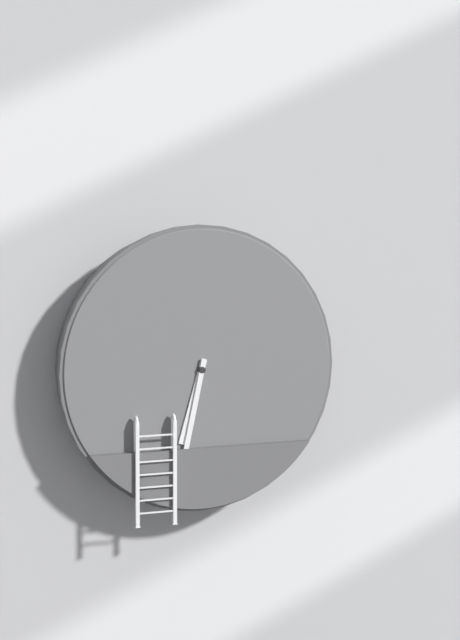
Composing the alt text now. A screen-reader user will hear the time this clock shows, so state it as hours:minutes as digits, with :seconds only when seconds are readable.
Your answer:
6:32
